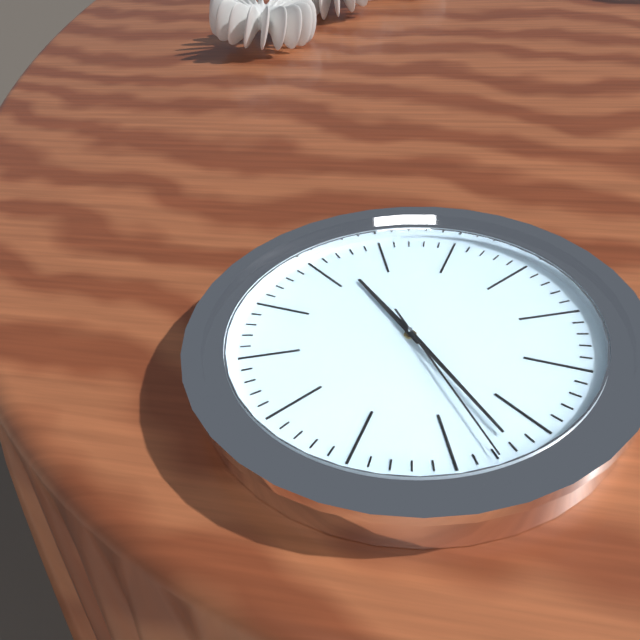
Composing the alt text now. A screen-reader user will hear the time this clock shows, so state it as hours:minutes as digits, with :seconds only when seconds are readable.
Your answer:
10:22:23
